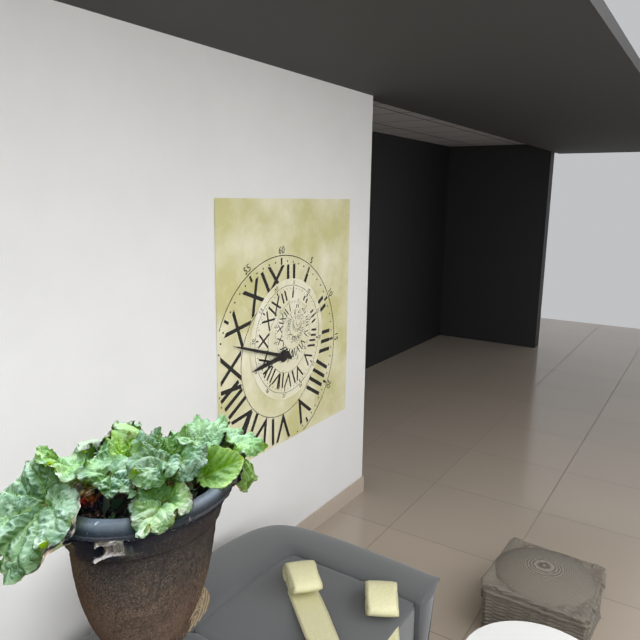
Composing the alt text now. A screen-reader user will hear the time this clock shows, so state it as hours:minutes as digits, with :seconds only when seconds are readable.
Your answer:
8:48
